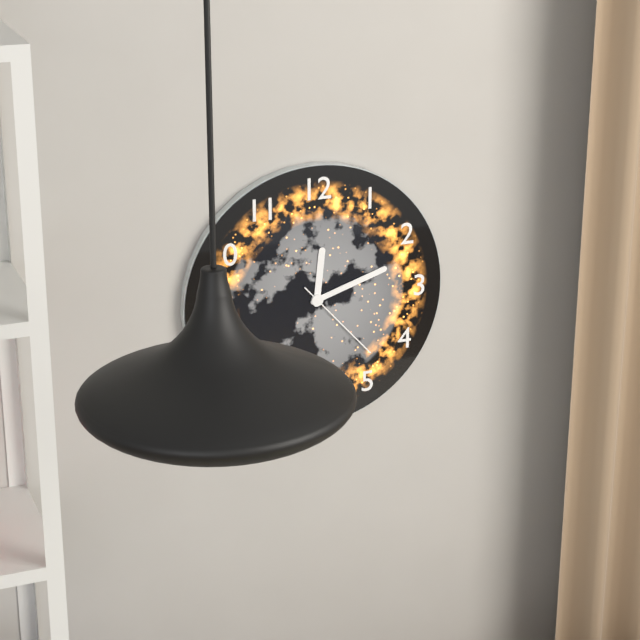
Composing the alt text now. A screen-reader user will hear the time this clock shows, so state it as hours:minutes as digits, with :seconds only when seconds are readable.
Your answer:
12:12:23
